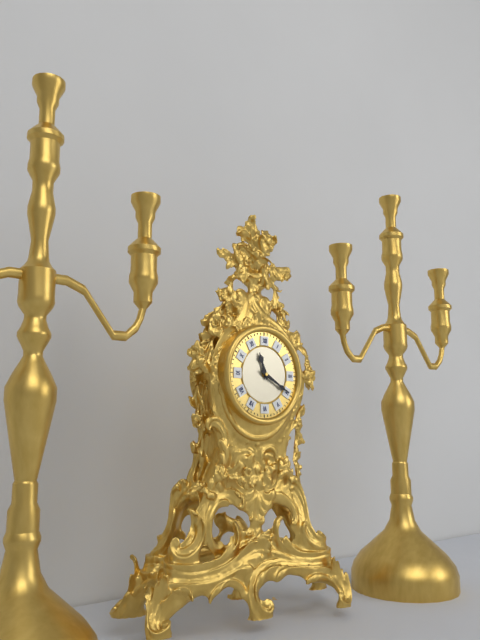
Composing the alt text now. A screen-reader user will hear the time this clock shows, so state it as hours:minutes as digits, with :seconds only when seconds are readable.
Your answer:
11:20
